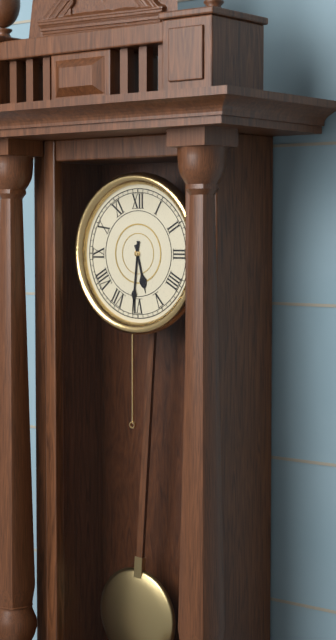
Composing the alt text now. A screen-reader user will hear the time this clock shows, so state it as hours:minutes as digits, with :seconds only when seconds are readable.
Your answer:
5:31
